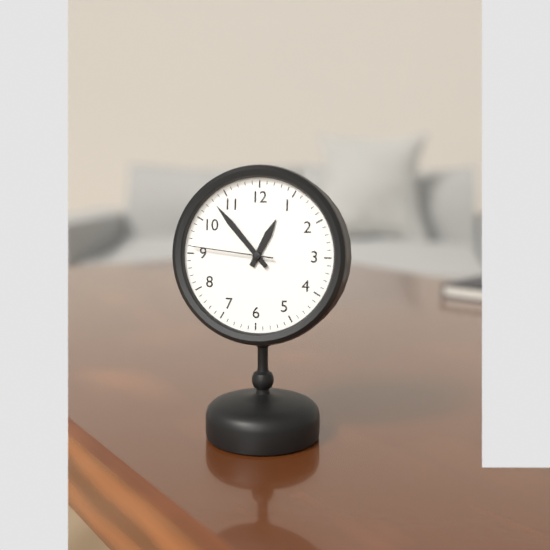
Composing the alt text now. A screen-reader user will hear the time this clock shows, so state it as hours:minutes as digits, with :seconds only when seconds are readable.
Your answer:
12:53:46
